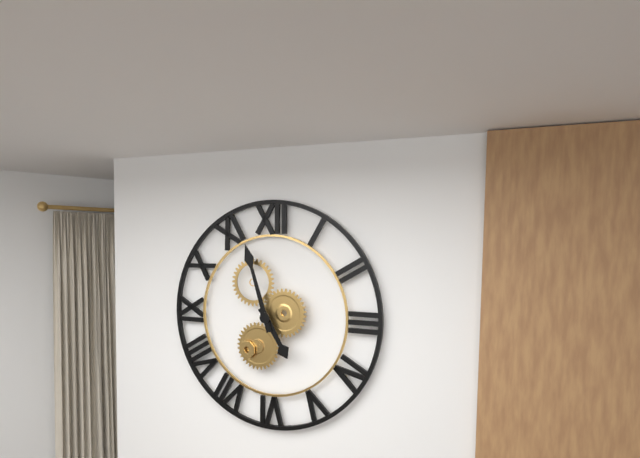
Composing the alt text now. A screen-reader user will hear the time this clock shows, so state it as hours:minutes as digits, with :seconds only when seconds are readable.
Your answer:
4:57
